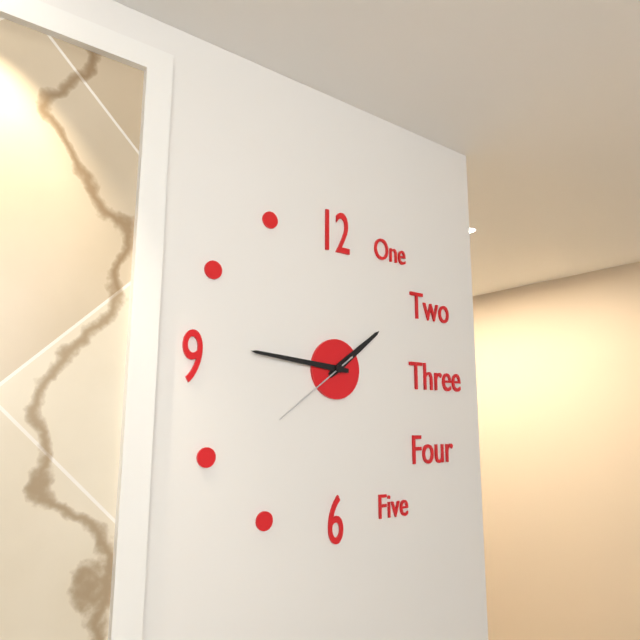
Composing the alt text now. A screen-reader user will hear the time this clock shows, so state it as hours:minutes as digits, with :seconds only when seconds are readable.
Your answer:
1:46:39
